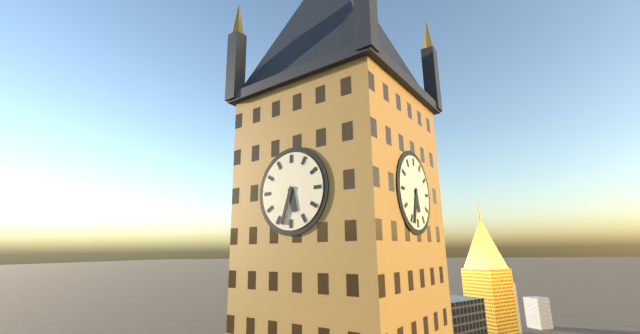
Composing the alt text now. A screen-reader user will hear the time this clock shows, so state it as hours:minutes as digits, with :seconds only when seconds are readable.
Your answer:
5:33
